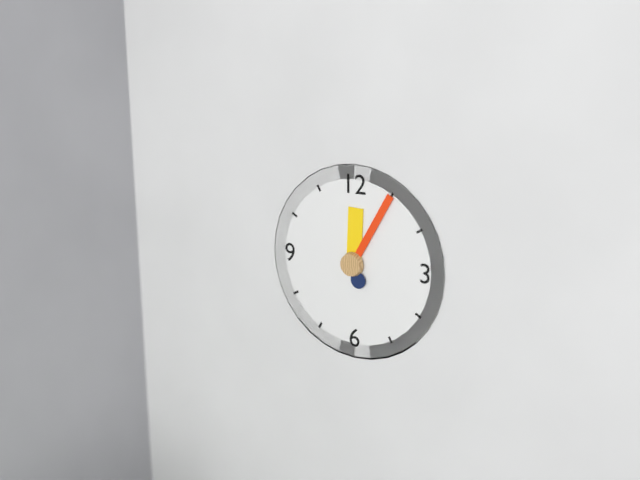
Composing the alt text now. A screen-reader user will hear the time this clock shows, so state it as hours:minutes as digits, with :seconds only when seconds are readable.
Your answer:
12:05
